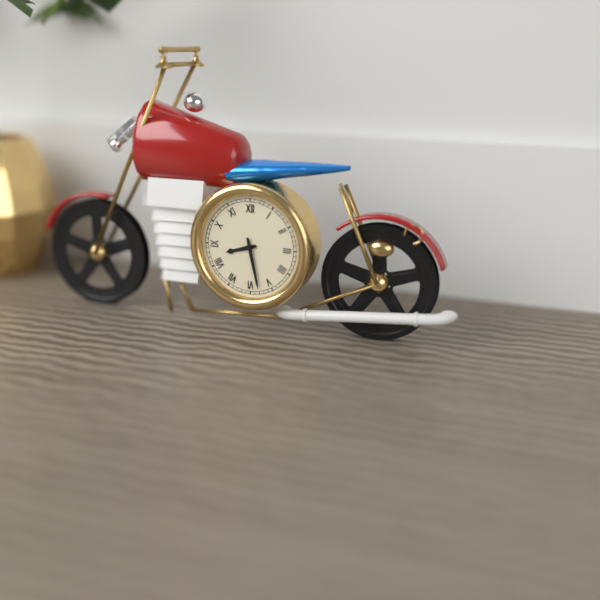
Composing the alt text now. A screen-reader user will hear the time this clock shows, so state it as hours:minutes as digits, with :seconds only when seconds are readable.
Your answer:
8:28
